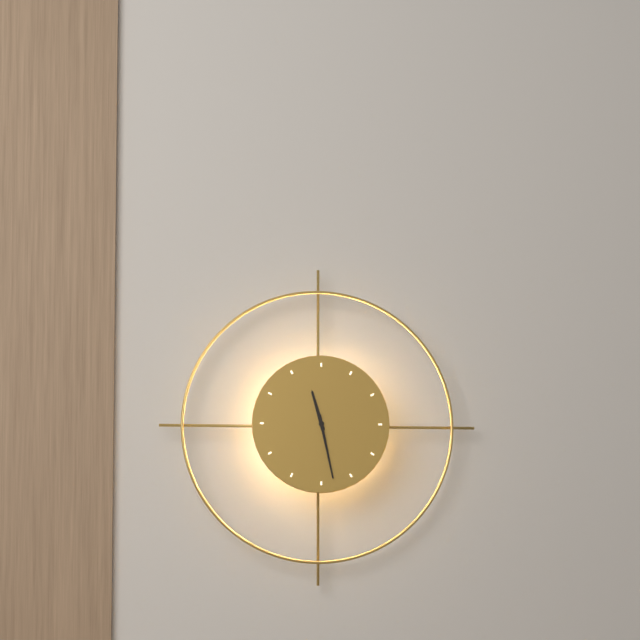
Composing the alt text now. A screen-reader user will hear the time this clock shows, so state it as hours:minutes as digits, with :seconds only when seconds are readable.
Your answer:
11:28
